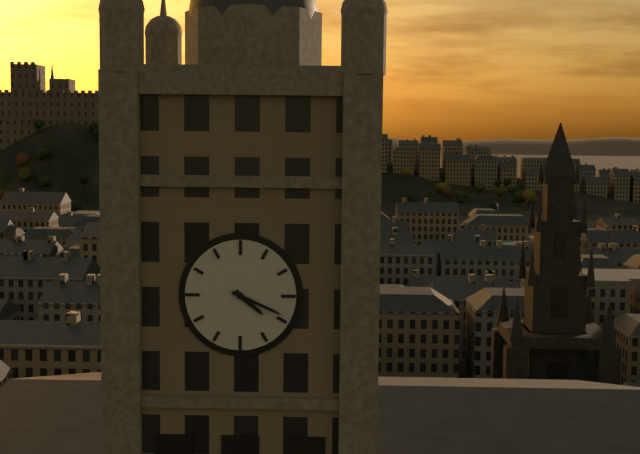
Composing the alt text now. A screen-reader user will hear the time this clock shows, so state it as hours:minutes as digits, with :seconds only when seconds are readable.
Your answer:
4:19
